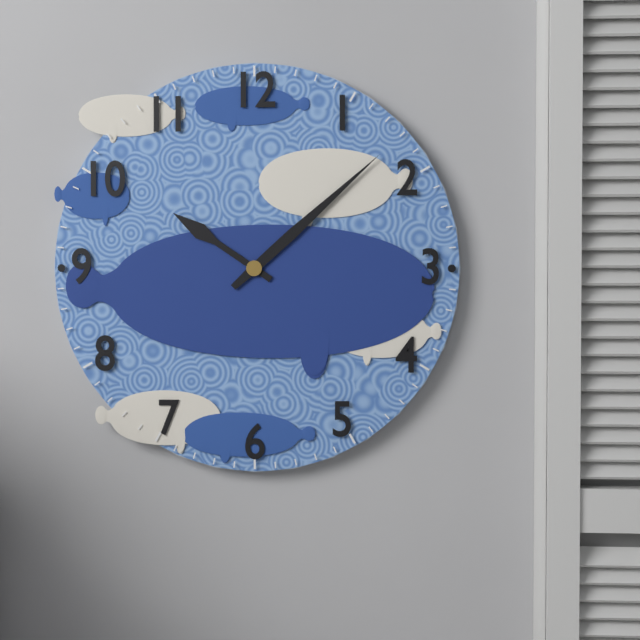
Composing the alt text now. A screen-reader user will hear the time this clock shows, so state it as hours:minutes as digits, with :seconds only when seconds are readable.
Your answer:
10:08
